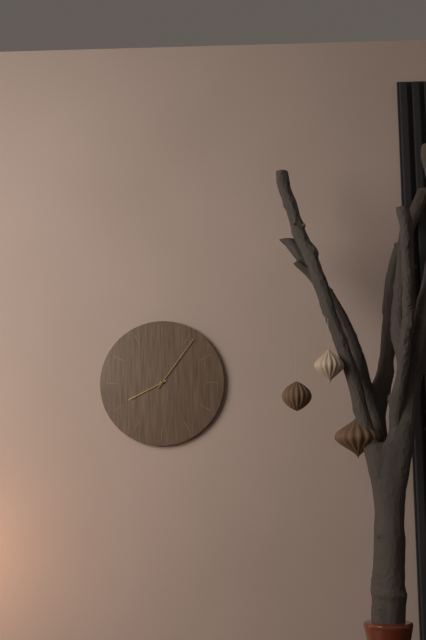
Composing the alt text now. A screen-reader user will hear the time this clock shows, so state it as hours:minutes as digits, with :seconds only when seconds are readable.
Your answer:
8:06
